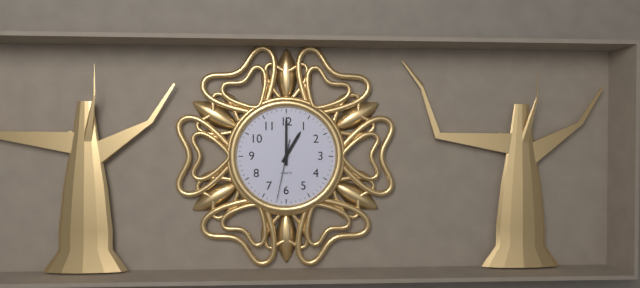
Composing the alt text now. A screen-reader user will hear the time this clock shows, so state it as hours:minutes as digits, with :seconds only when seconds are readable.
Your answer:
1:00:32
